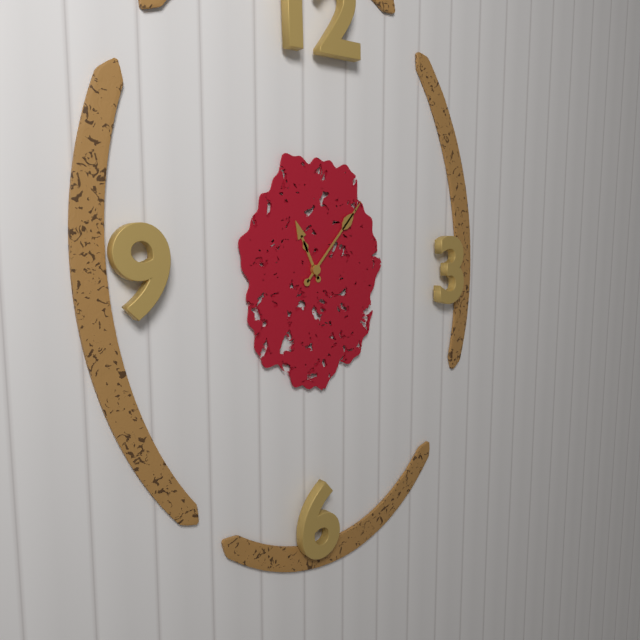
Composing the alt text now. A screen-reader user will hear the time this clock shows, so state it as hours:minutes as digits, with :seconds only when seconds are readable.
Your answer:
11:07
